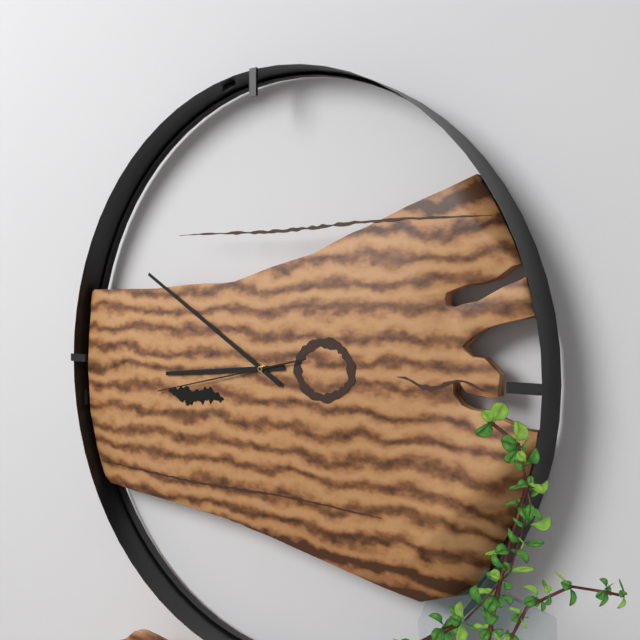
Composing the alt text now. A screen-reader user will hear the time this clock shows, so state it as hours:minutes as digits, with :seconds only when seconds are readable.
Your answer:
8:50:43
